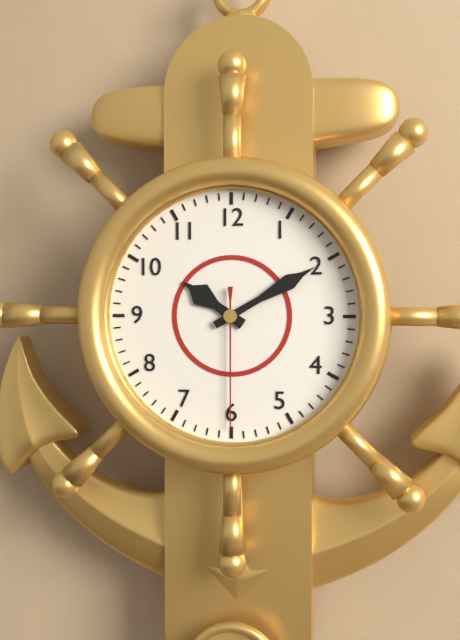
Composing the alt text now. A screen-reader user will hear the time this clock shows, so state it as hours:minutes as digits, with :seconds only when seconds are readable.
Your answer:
10:10:30
